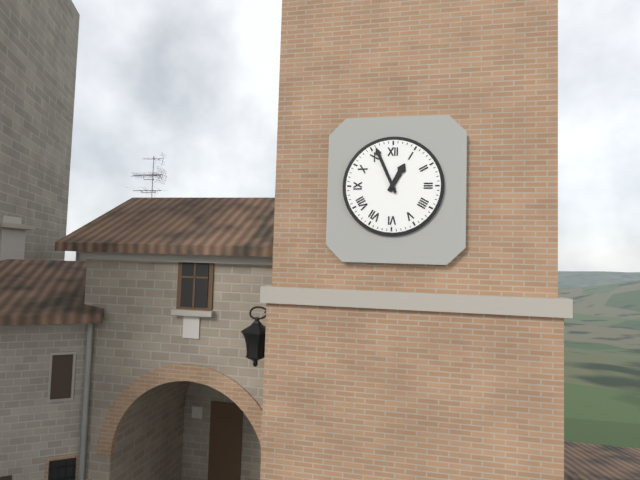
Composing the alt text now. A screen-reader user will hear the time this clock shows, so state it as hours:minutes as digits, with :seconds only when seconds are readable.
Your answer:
12:56
